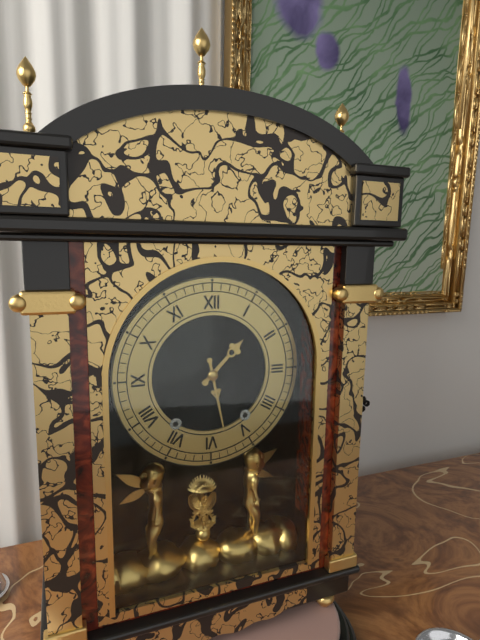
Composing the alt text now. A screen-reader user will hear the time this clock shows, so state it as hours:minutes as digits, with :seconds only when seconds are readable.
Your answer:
1:28
